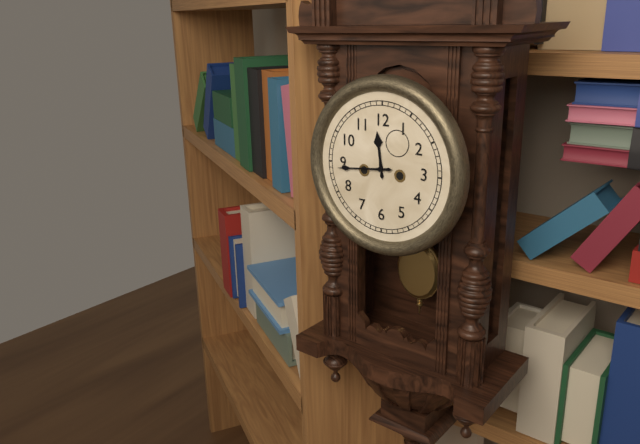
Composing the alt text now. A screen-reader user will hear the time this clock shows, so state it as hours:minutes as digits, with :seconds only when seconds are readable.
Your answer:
11:44
